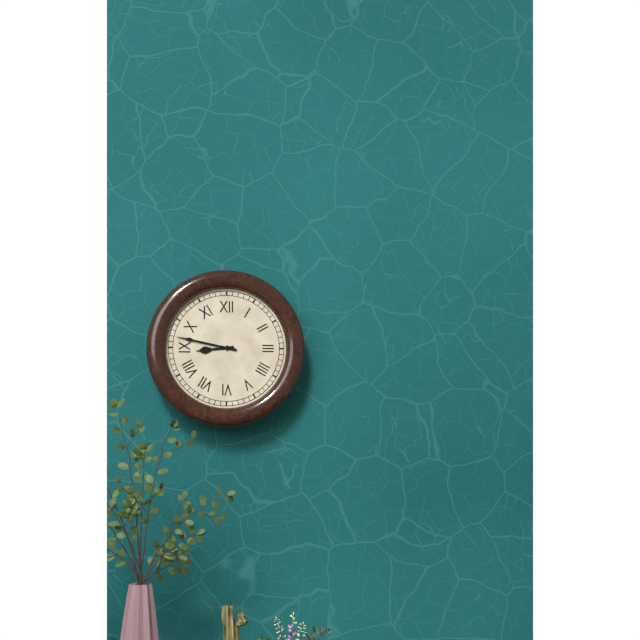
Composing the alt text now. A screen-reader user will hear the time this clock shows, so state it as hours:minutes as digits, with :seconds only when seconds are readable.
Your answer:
8:47
